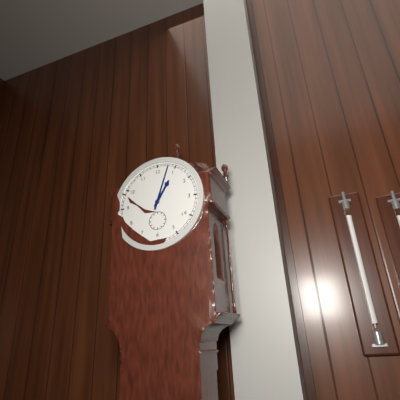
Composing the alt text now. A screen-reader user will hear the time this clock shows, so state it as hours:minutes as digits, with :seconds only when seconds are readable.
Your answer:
1:03
